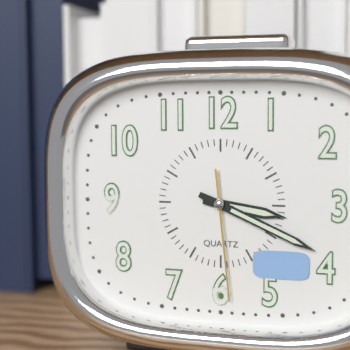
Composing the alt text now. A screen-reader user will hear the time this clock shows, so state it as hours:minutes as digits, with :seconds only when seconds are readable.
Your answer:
3:19:29
